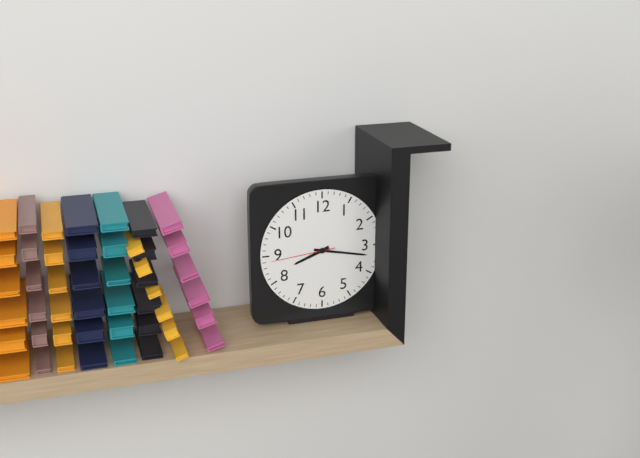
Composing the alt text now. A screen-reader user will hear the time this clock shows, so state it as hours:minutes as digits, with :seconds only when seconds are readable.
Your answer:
8:17:44
